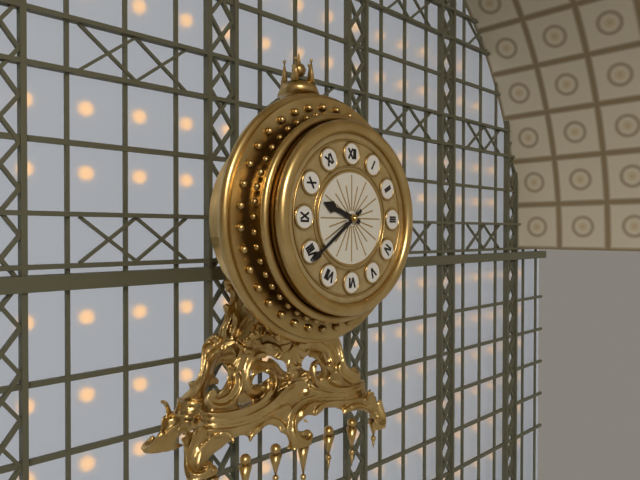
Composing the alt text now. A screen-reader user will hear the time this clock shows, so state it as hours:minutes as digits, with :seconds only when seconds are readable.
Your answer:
9:39
